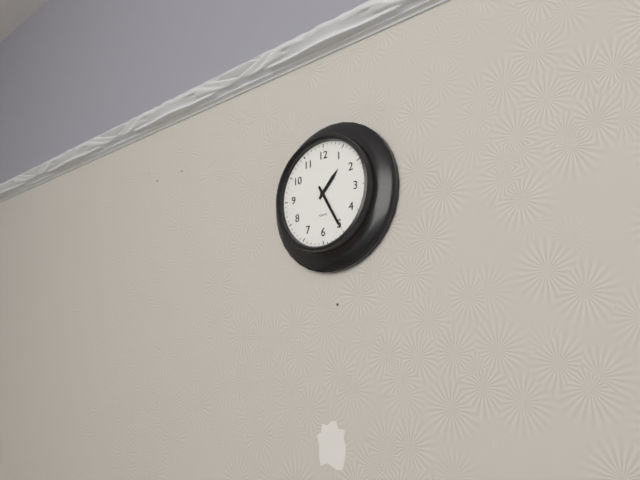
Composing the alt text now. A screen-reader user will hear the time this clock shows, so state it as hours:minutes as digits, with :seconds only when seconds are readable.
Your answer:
1:25
